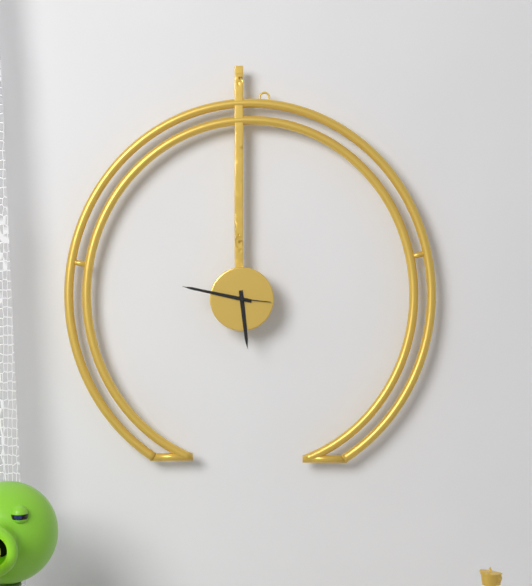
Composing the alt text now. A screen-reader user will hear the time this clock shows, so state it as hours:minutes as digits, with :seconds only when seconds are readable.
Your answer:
5:47
